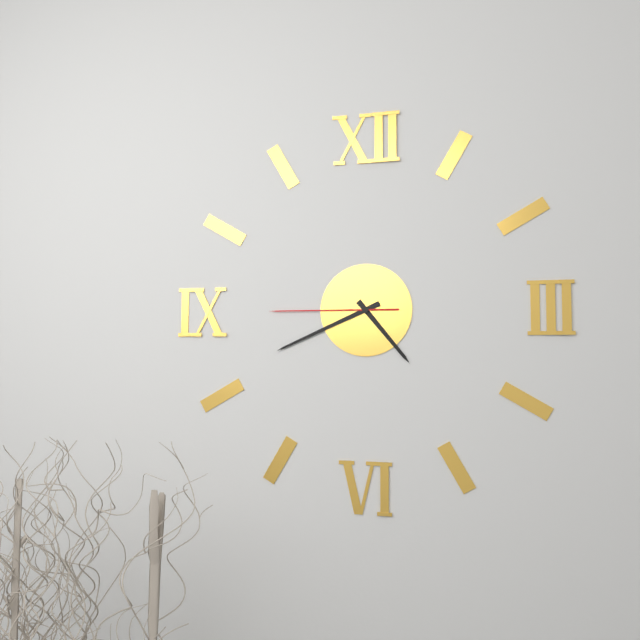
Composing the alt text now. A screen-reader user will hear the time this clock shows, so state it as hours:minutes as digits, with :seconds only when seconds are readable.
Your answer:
4:41:45
